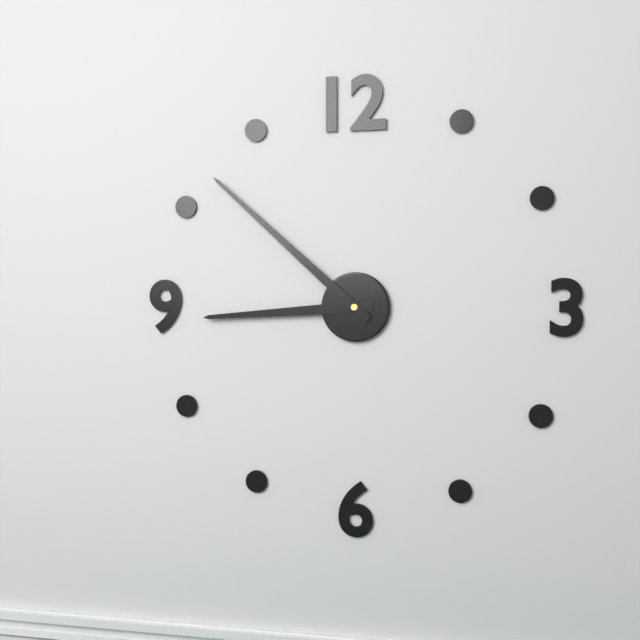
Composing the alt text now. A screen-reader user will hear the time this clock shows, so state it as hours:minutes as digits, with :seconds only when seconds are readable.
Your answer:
8:52
